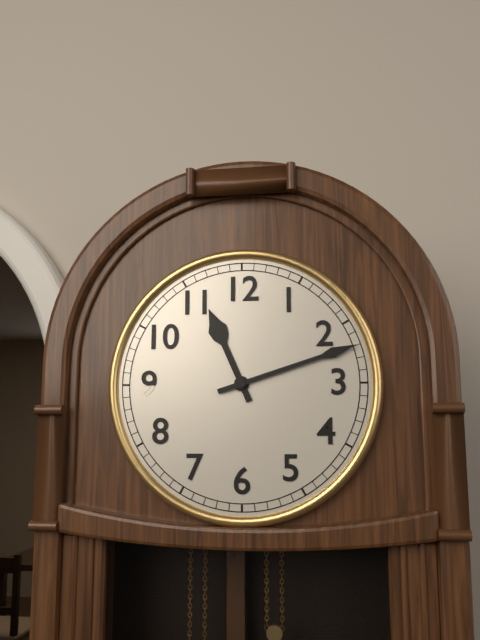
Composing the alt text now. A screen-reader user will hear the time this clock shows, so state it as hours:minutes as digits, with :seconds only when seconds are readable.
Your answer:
11:12
